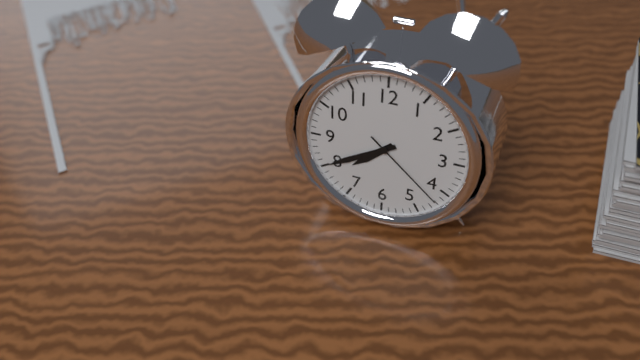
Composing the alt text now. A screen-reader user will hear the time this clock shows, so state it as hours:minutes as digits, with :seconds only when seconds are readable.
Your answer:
7:40:22
